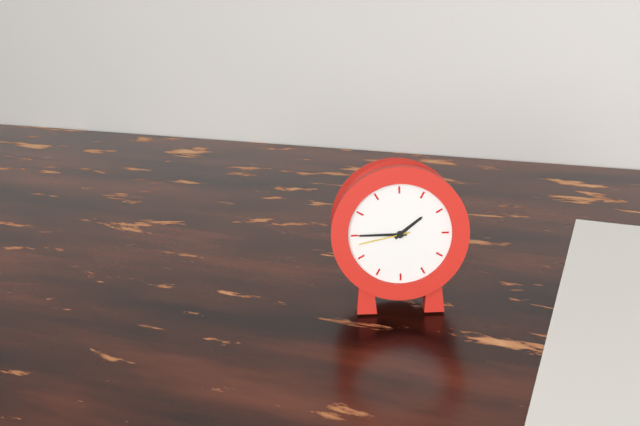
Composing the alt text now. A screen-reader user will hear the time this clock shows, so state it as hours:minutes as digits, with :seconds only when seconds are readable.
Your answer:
1:45:43
